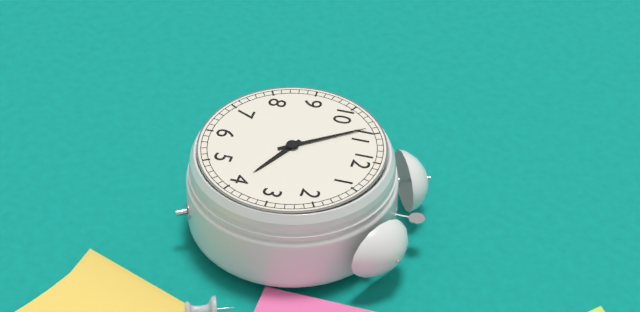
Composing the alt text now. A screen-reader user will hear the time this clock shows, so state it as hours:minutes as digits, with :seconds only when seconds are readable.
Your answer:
3:54
